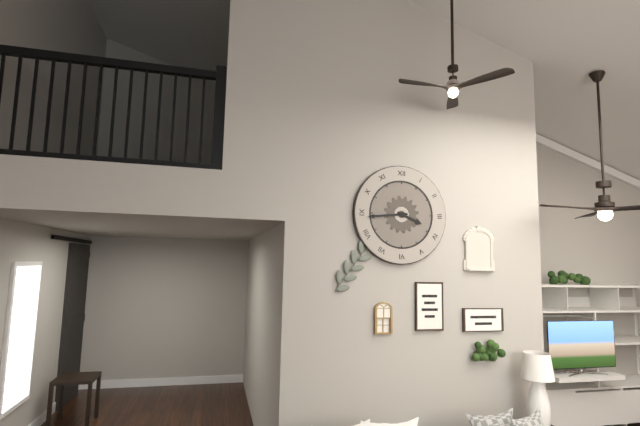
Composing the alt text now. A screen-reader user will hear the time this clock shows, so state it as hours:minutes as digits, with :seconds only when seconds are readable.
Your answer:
3:44
